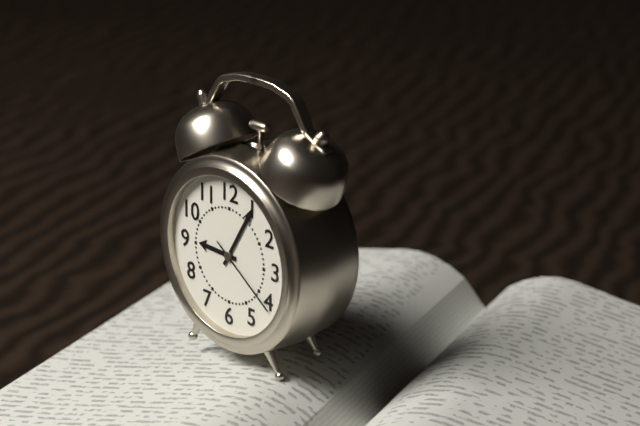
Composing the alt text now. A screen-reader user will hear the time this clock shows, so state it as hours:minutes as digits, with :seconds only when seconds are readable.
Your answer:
9:05:21
